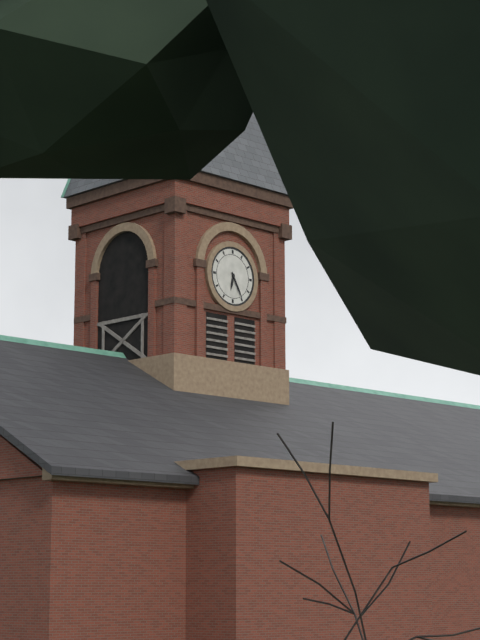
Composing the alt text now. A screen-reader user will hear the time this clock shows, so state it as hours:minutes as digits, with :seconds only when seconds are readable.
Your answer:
6:25
